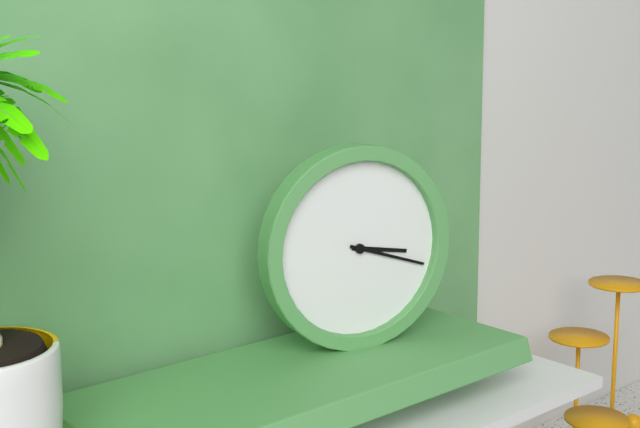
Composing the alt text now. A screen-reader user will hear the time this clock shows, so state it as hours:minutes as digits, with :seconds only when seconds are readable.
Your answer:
3:18
